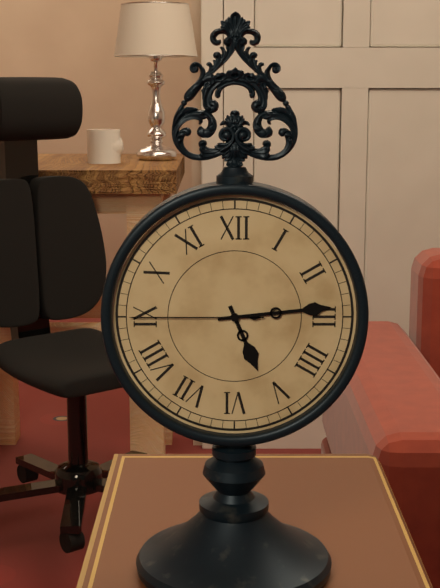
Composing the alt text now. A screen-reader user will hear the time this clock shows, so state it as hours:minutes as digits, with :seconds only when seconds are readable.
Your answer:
5:14:45
